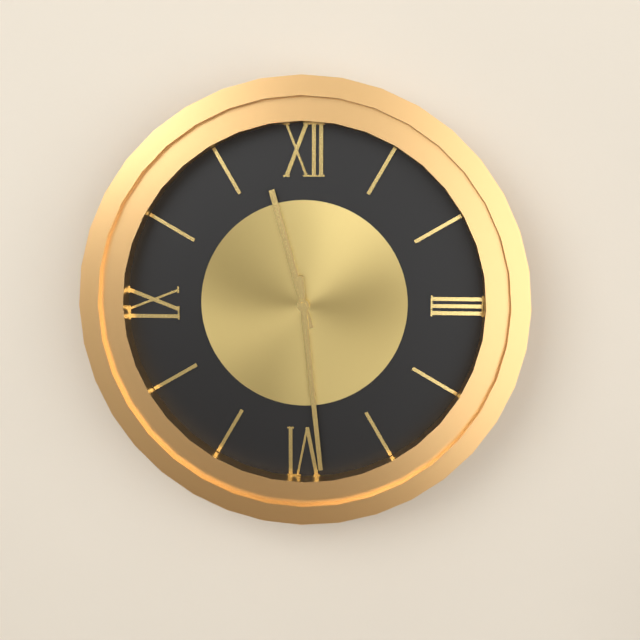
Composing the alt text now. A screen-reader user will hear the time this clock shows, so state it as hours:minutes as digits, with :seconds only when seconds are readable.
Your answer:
11:29
